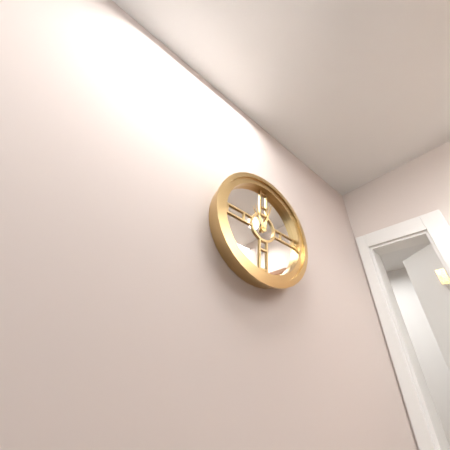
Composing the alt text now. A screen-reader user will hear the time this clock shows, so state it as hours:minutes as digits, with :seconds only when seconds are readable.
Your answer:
11:03
